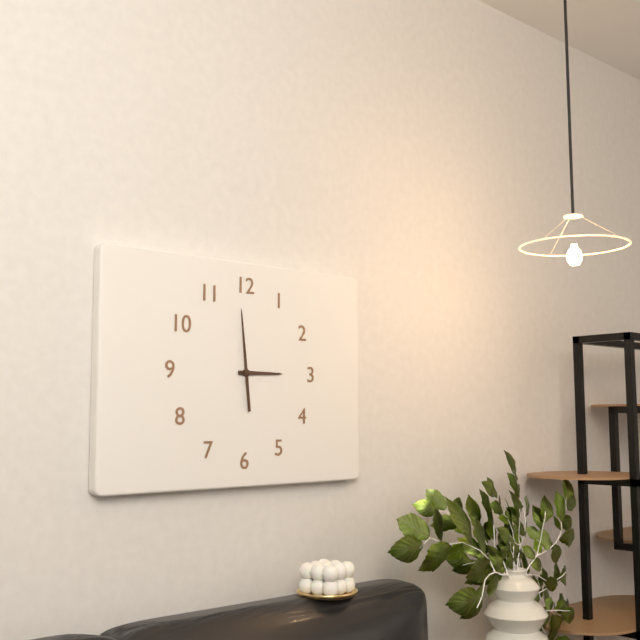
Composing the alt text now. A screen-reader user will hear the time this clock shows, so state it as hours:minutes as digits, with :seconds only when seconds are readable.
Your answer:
2:59
